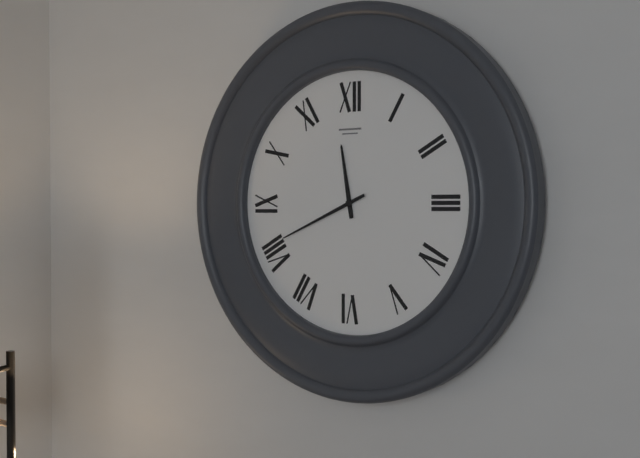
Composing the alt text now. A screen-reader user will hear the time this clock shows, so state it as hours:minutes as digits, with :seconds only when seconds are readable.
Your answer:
11:41
